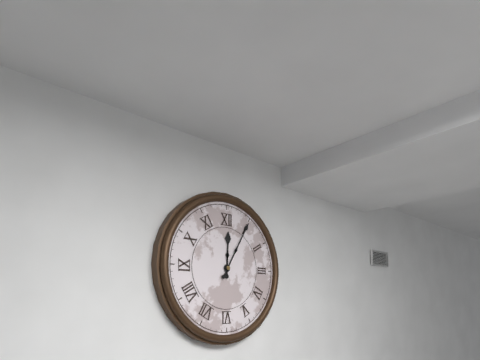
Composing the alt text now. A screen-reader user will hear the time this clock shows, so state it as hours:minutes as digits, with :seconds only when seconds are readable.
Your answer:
12:05
